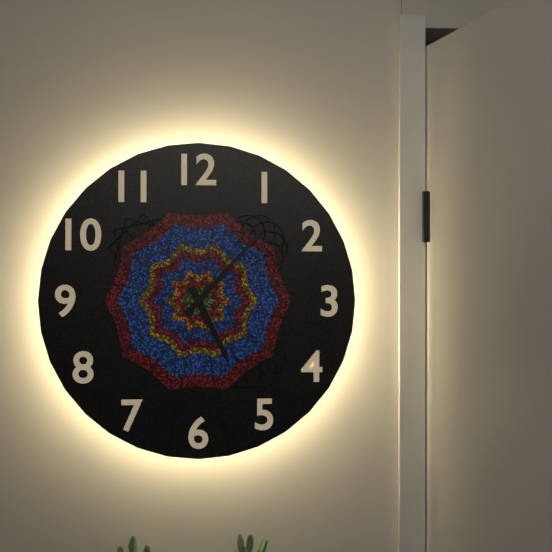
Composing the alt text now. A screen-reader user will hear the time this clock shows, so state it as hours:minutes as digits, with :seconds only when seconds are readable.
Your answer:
5:07
